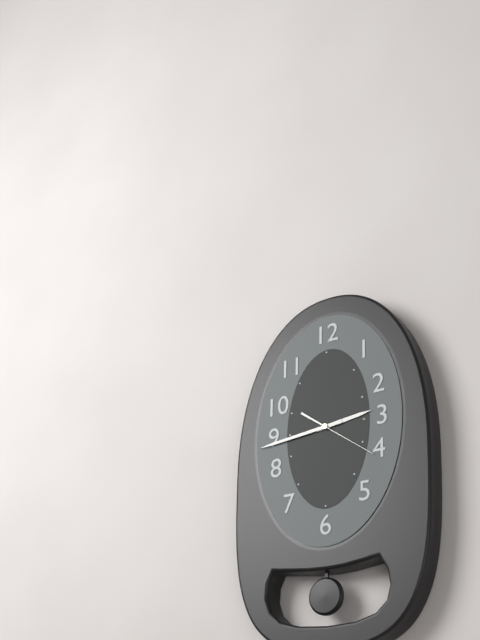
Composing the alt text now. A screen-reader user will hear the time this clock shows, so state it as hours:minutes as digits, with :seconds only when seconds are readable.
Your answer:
2:44:21
